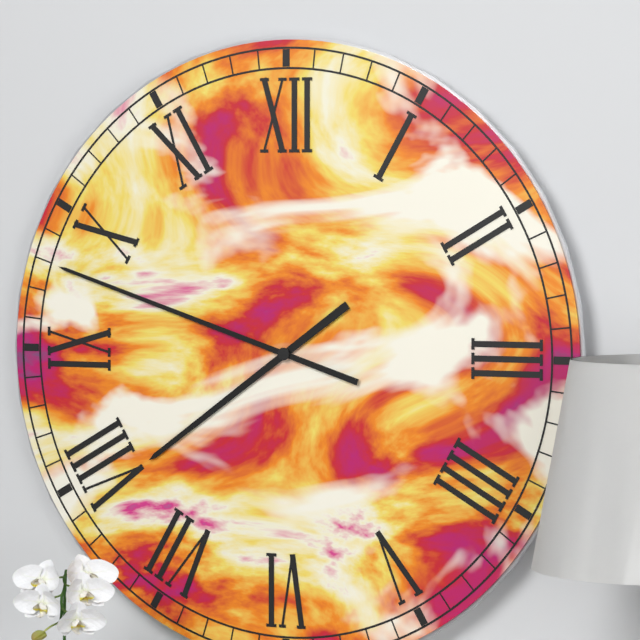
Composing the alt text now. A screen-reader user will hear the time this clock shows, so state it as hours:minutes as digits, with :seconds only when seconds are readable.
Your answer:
7:48
